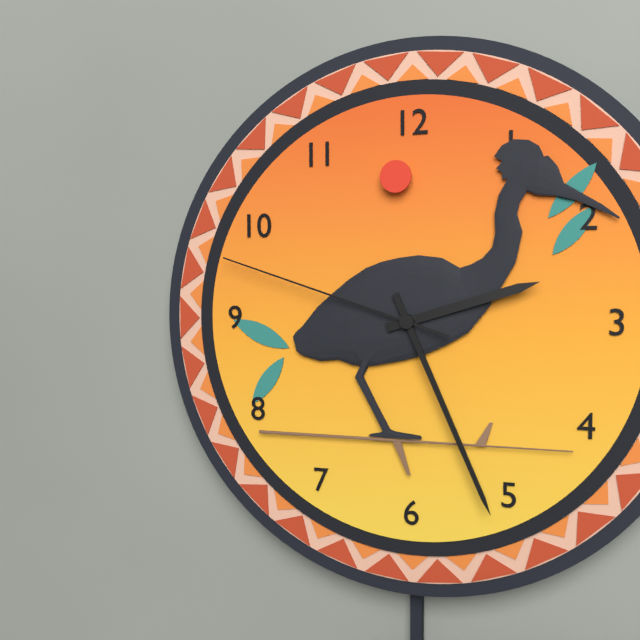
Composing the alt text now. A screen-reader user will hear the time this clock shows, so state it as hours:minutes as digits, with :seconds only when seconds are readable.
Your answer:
2:26:48
